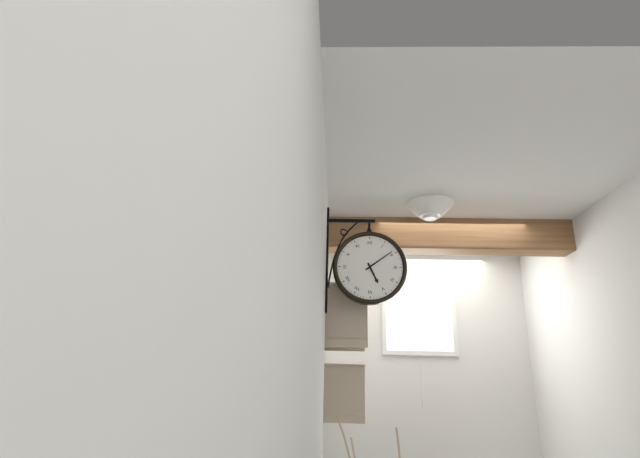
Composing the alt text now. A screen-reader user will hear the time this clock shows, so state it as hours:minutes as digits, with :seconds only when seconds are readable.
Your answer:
5:09
